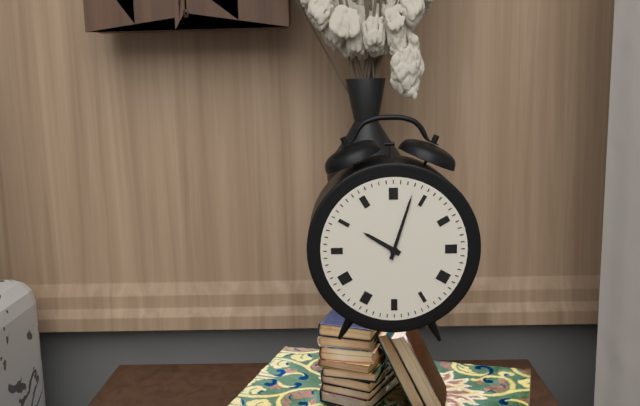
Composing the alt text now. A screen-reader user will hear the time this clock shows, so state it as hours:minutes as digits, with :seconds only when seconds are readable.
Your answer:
10:03
